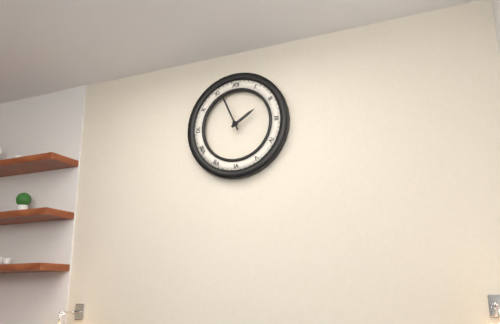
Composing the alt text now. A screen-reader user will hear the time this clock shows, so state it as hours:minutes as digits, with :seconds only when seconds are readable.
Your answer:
1:56
